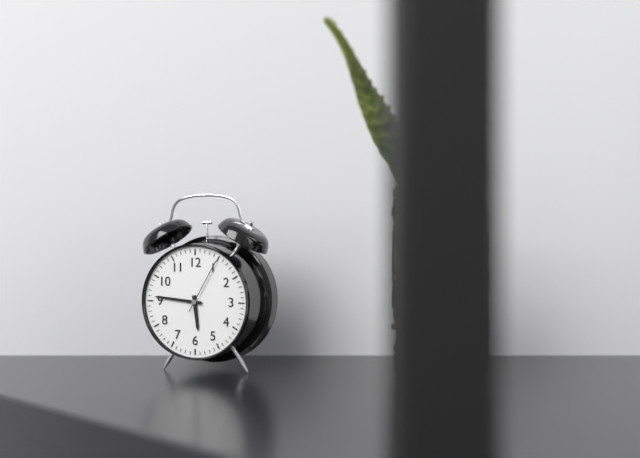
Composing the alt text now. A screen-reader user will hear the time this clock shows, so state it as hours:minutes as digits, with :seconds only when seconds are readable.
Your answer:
5:46:05
